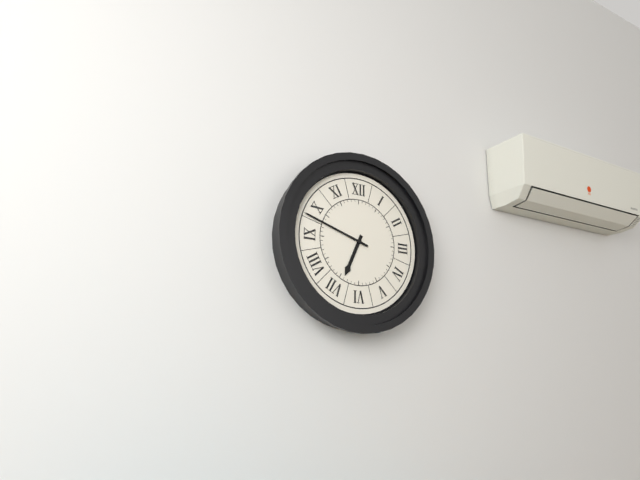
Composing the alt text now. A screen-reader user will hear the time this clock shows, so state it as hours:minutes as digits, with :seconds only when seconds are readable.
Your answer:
6:48
